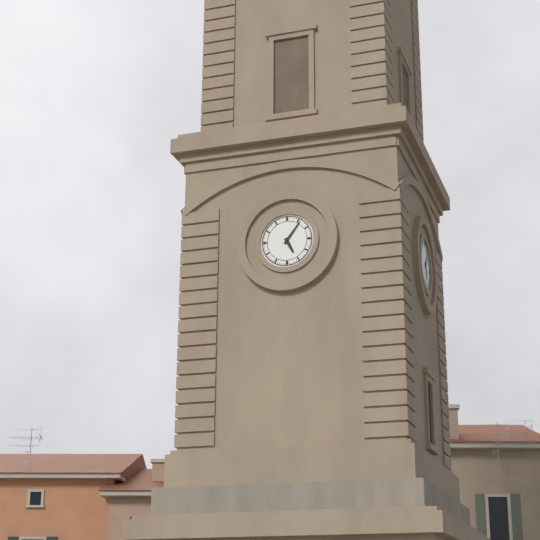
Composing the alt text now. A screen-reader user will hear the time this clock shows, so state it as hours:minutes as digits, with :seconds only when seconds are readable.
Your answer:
5:06
